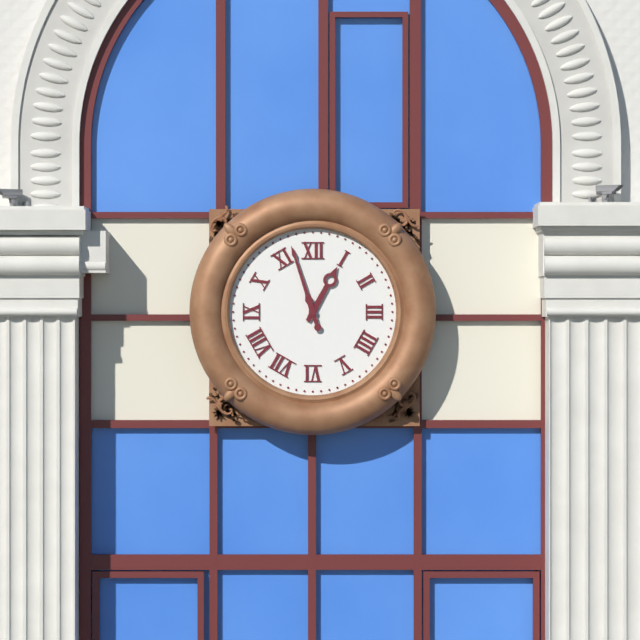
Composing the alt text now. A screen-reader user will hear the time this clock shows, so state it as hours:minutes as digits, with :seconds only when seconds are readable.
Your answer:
12:57
